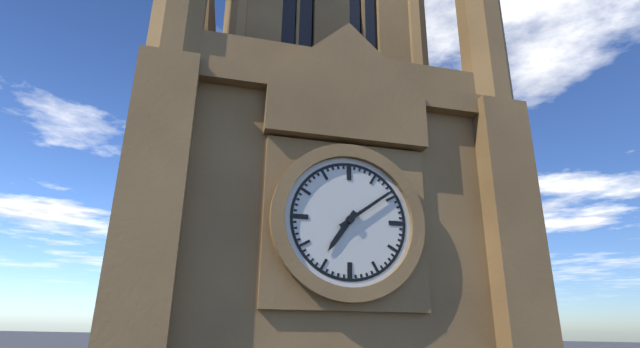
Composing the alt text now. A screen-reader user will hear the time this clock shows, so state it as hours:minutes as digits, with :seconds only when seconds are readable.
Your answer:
7:09
